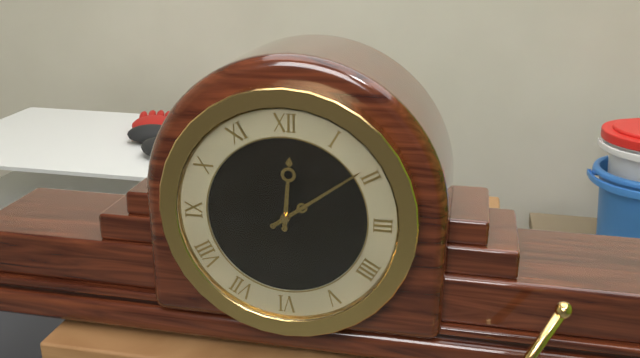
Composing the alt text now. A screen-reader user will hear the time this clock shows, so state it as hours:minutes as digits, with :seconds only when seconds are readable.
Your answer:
12:09
